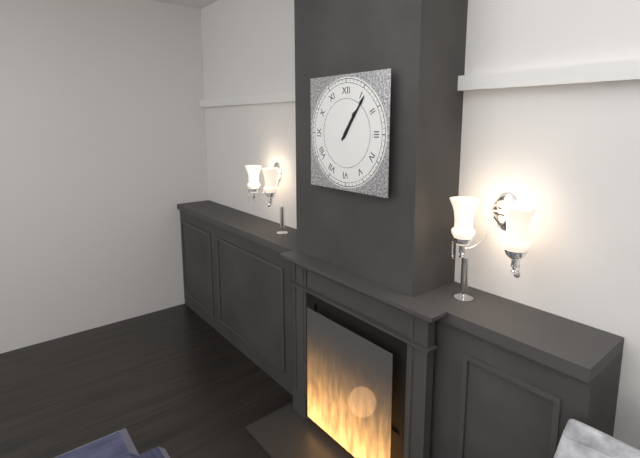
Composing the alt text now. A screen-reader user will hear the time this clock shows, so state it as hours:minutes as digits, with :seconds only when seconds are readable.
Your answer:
1:06
